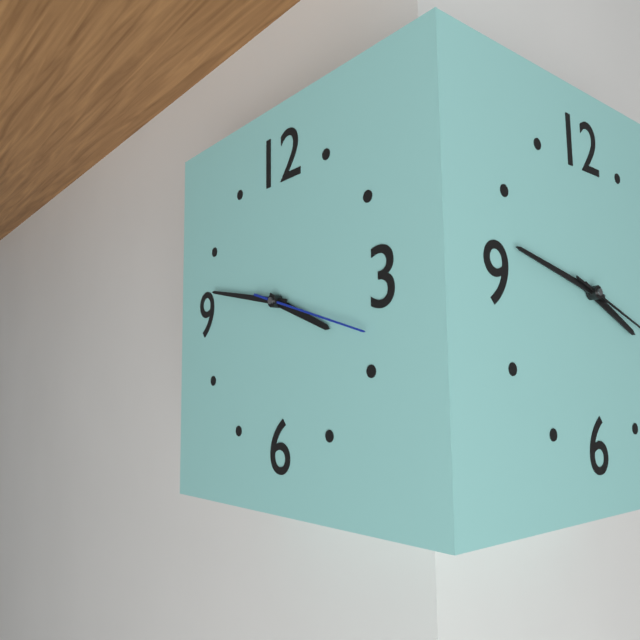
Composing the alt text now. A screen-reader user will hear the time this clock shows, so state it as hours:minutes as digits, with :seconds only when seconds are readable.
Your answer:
3:47:18
